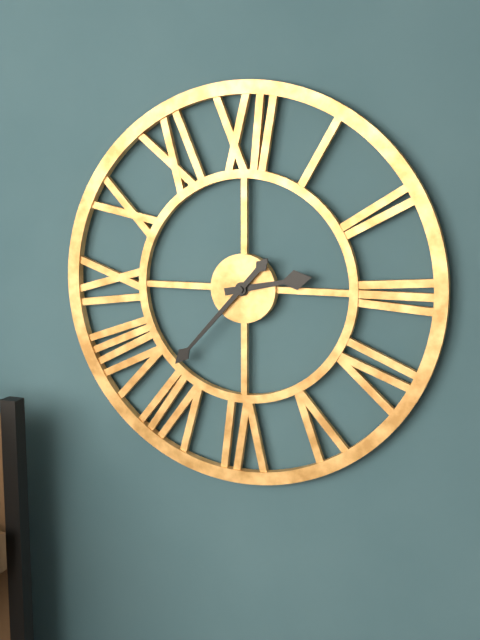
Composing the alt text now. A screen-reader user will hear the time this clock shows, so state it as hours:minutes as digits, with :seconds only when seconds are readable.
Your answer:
2:37
